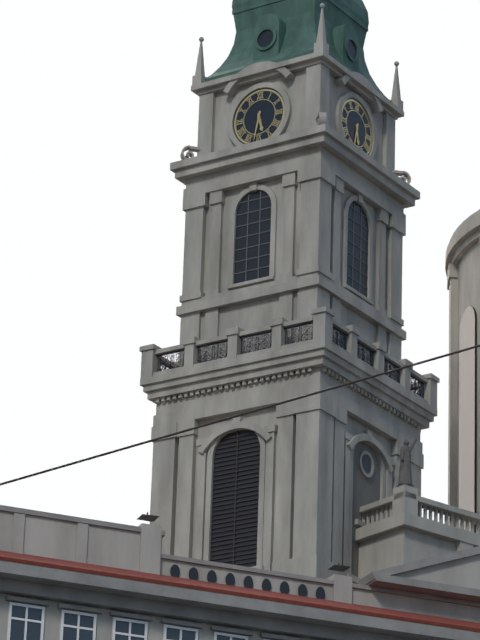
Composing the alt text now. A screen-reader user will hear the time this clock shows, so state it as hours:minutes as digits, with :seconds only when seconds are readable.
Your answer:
5:32
